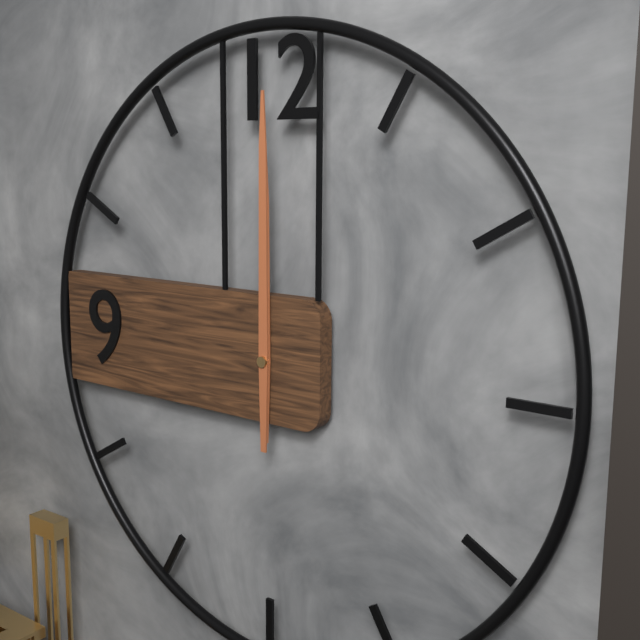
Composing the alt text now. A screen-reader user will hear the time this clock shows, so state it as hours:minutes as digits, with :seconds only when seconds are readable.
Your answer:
12:00
